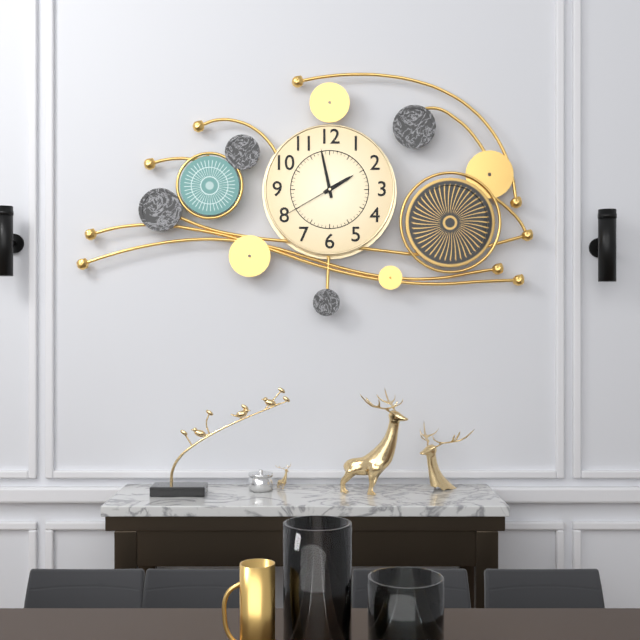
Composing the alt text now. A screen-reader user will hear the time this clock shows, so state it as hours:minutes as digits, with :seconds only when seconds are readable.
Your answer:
1:58:40
